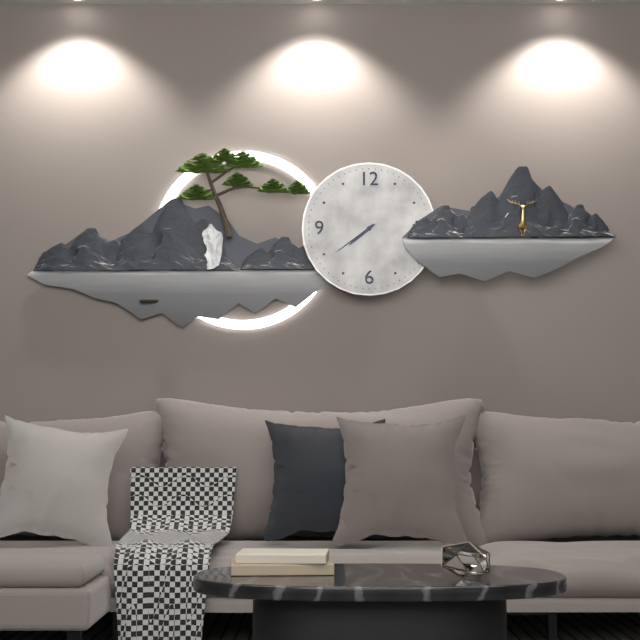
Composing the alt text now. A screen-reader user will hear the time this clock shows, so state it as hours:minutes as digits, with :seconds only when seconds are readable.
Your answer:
7:39
